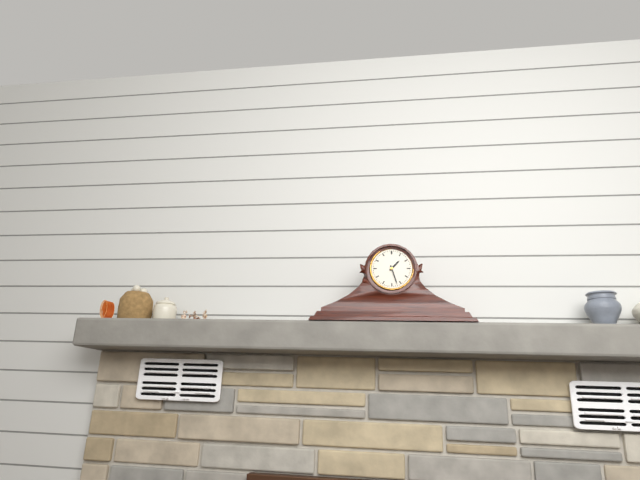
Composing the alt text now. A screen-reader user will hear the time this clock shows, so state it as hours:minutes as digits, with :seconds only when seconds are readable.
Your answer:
1:27
